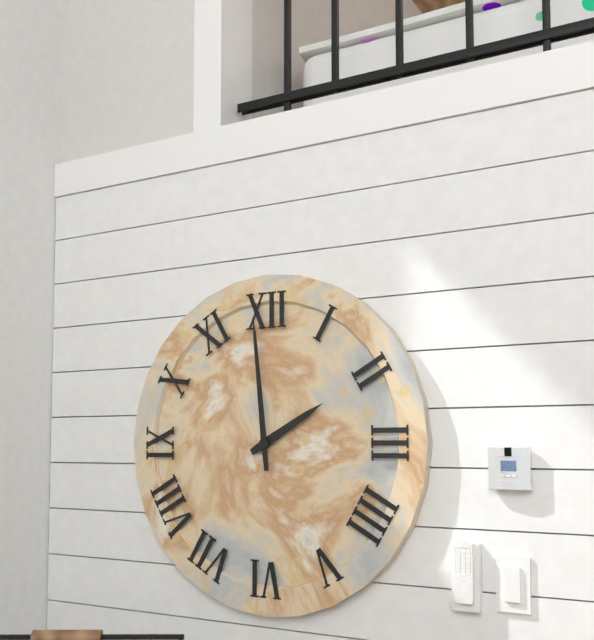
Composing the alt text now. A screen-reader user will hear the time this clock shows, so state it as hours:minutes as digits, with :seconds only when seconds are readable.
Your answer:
1:59
